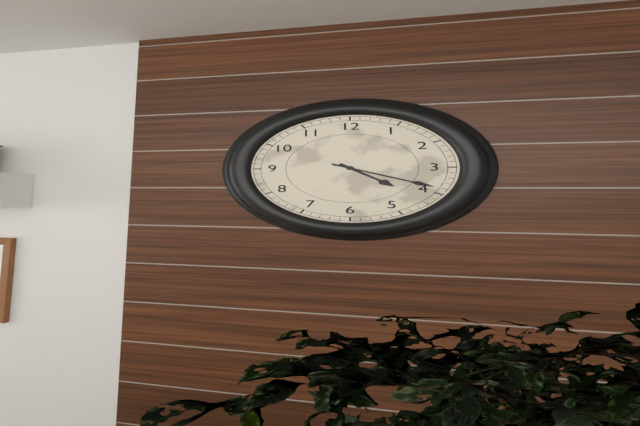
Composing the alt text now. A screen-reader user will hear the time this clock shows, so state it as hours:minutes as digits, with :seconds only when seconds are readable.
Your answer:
4:19
